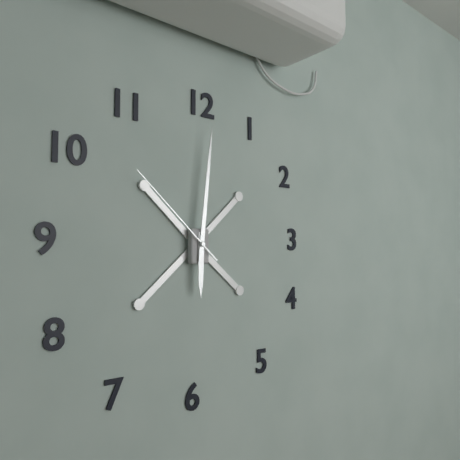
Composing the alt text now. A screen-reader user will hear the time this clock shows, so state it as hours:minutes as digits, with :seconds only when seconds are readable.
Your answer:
6:01:52
